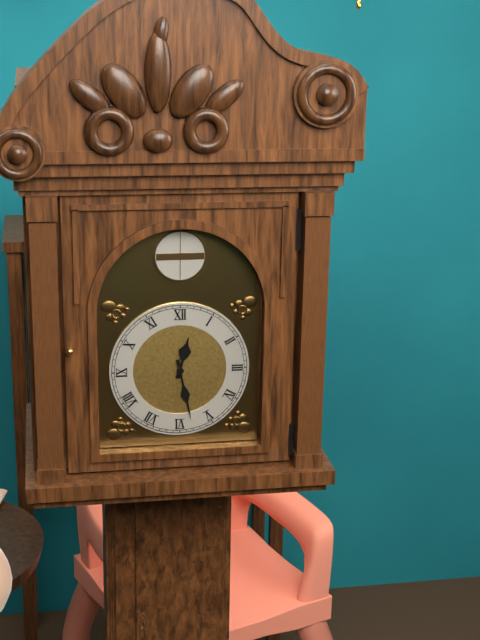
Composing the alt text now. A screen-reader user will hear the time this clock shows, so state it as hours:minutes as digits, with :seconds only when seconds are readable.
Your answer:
12:28
